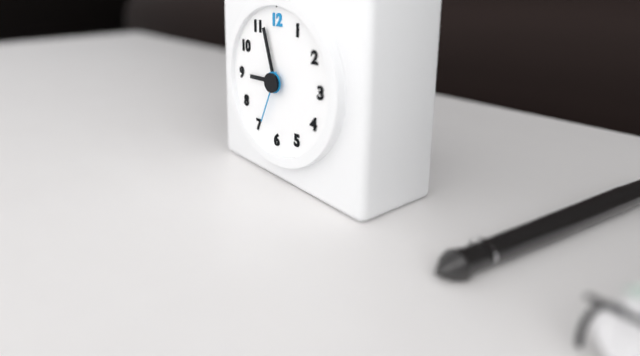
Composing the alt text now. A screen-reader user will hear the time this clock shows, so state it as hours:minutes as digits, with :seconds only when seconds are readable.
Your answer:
8:57:34
